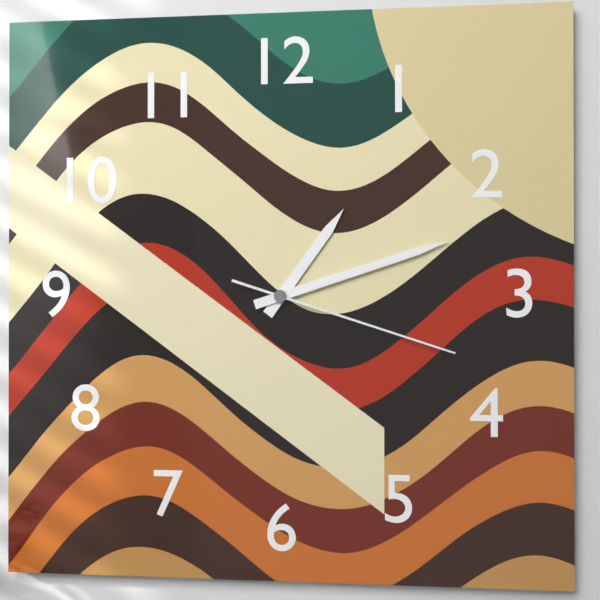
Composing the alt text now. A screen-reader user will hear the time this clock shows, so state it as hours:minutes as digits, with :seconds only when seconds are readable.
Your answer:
1:12:18
